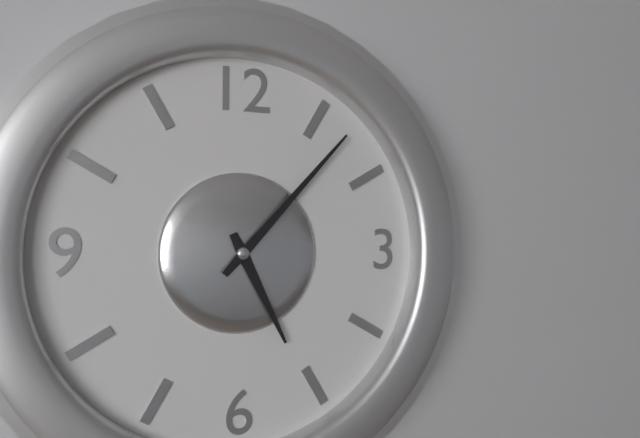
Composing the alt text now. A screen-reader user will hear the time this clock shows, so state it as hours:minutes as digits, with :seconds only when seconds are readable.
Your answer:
5:07
